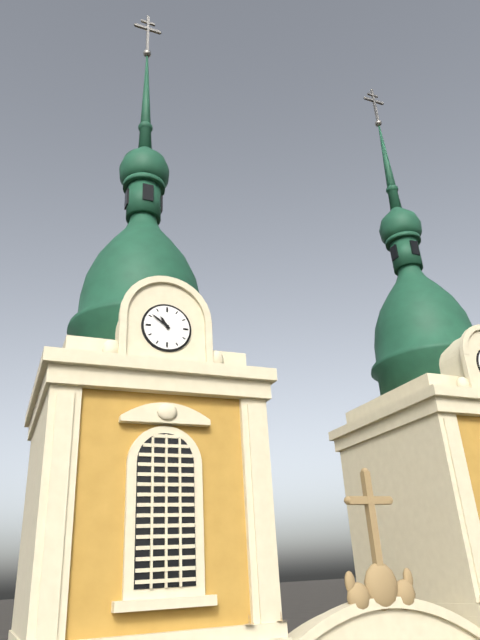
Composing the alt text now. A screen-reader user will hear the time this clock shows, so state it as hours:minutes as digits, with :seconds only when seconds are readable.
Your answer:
10:51
